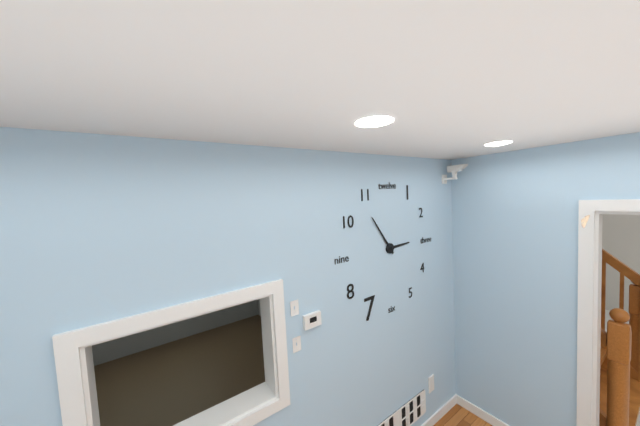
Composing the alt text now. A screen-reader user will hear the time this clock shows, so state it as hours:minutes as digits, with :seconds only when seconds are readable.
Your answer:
2:54
